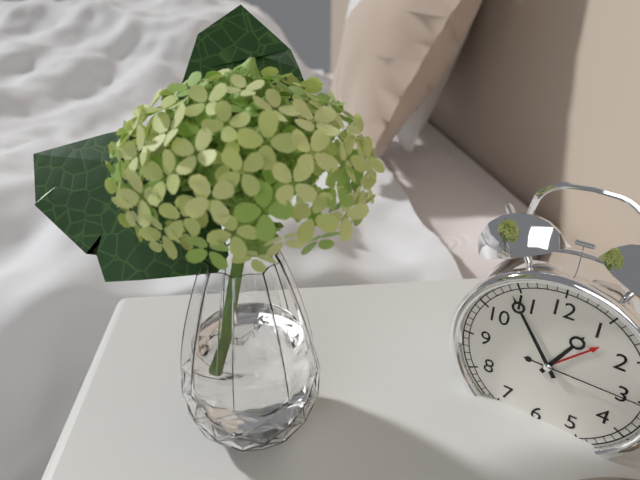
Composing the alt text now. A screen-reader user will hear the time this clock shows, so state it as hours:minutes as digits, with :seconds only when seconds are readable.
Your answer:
12:54
